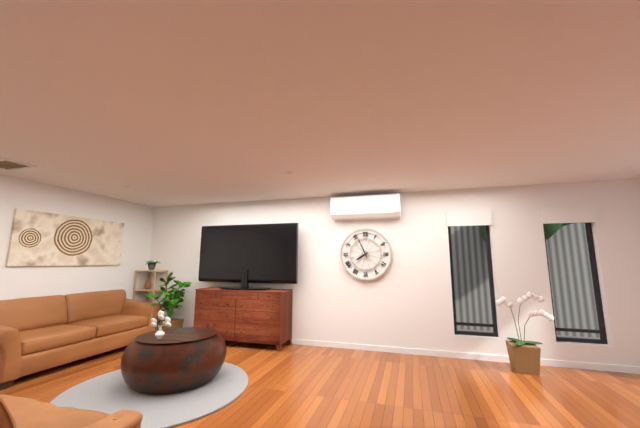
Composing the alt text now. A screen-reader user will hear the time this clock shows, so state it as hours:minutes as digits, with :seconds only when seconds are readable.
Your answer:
7:56
